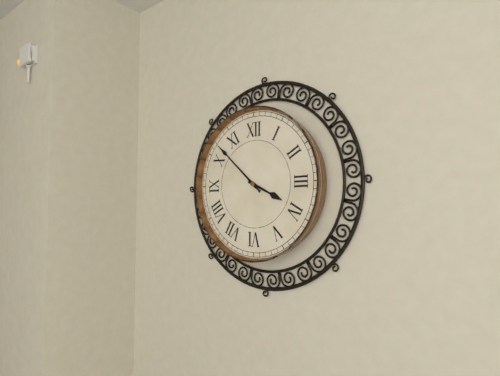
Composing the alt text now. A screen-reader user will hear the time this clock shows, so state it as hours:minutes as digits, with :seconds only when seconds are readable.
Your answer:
3:52
